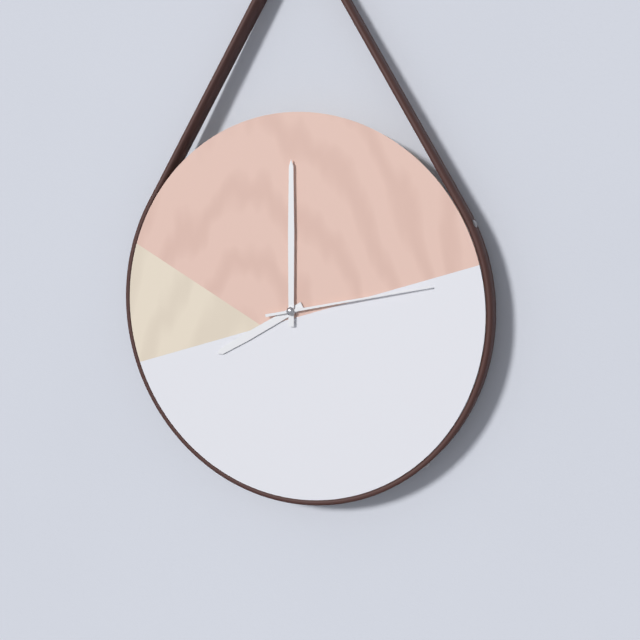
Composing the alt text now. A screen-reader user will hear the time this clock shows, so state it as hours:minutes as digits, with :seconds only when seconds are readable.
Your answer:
8:00:13
